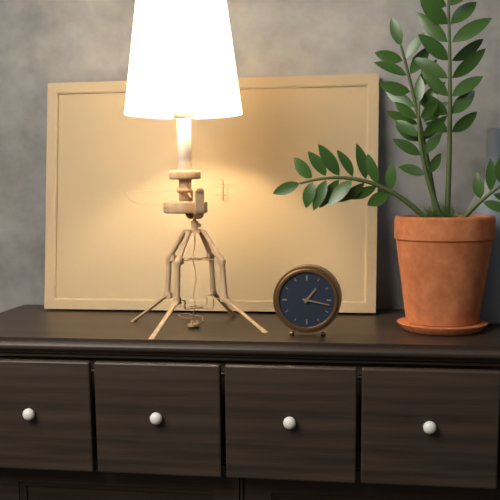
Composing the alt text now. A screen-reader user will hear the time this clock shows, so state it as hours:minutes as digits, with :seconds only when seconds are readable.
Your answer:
1:17
